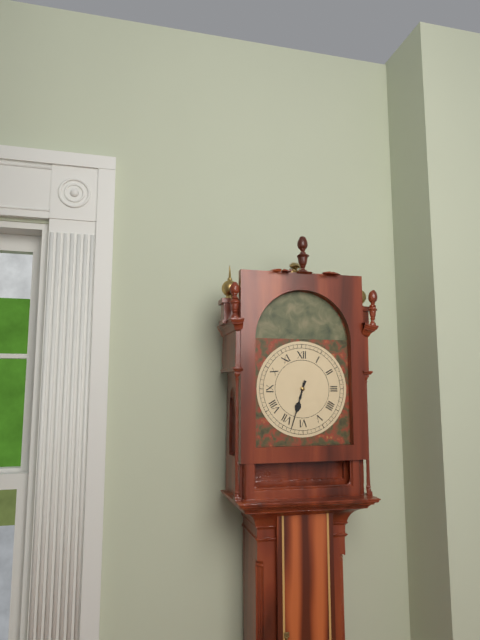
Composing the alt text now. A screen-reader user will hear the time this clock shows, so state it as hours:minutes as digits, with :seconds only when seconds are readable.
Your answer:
6:33
